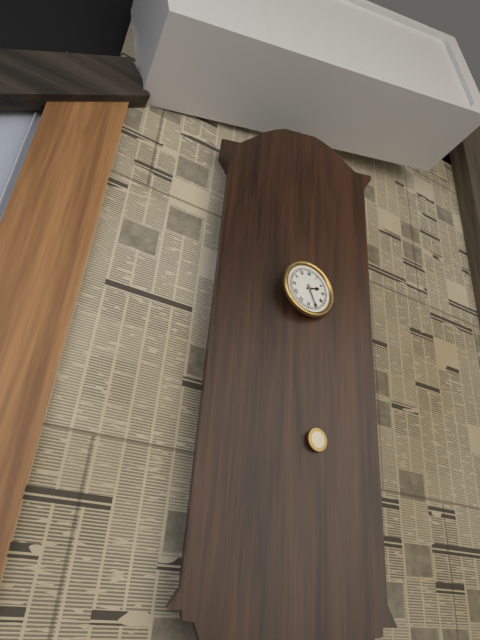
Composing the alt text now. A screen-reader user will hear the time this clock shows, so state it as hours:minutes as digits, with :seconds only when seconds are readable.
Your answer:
2:26
